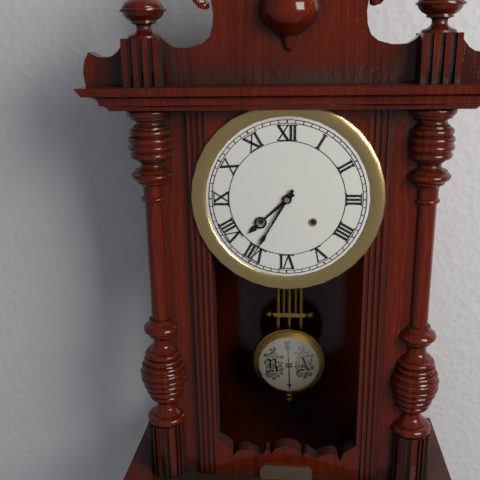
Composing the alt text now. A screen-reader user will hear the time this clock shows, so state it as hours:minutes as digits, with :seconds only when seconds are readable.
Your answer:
7:35
